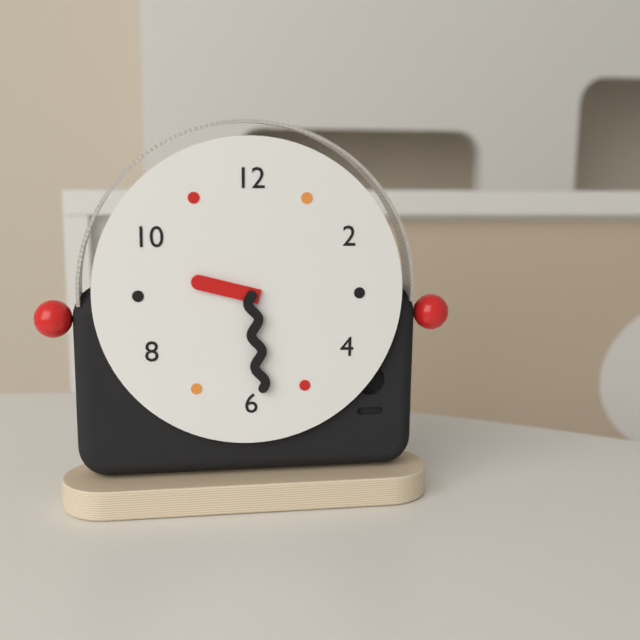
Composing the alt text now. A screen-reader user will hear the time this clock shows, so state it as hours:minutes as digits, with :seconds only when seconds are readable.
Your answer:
9:29
